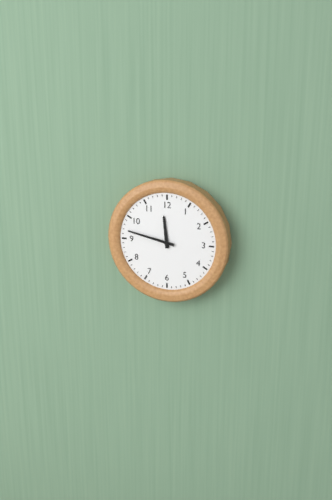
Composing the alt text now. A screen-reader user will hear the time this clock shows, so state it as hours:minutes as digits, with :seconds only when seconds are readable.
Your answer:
11:47
